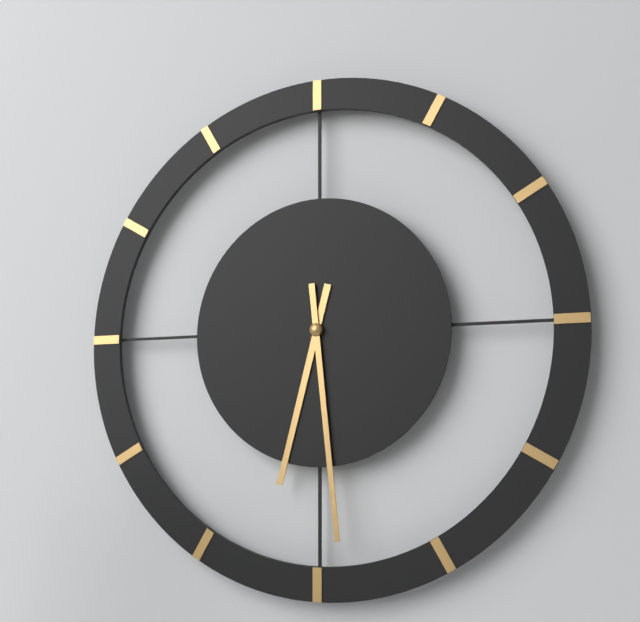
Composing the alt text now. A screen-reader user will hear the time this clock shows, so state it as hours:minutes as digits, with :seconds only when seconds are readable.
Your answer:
6:29
